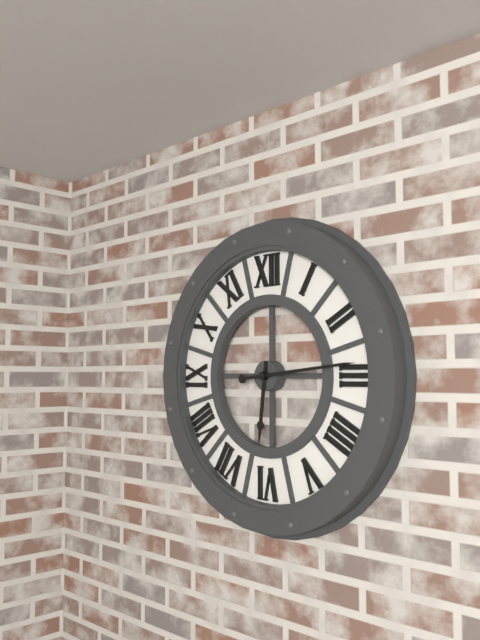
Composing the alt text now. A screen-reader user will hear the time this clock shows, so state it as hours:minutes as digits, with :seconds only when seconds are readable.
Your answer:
6:14
